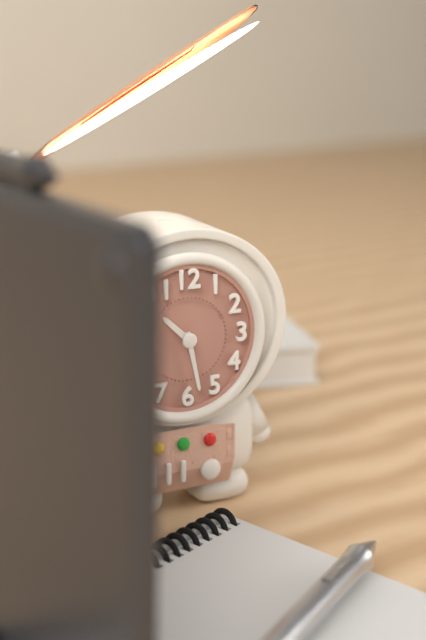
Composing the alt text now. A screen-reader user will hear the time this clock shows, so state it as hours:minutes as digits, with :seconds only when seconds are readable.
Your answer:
10:28
